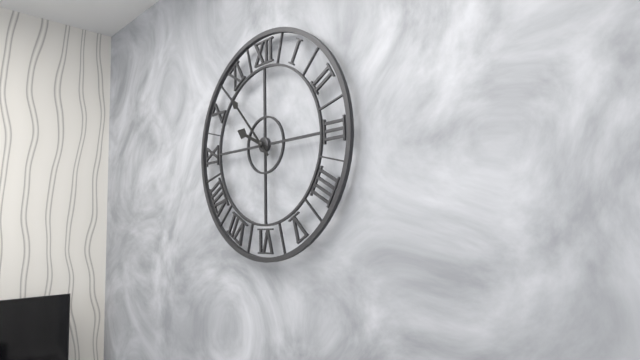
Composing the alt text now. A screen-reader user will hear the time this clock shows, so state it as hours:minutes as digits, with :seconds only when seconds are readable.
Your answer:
9:53
